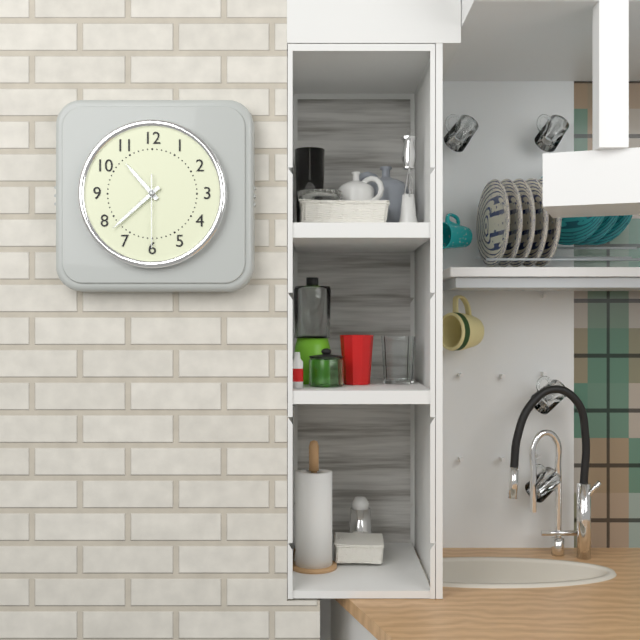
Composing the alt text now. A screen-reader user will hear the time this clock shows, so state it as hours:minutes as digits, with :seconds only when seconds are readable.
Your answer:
10:38:30
